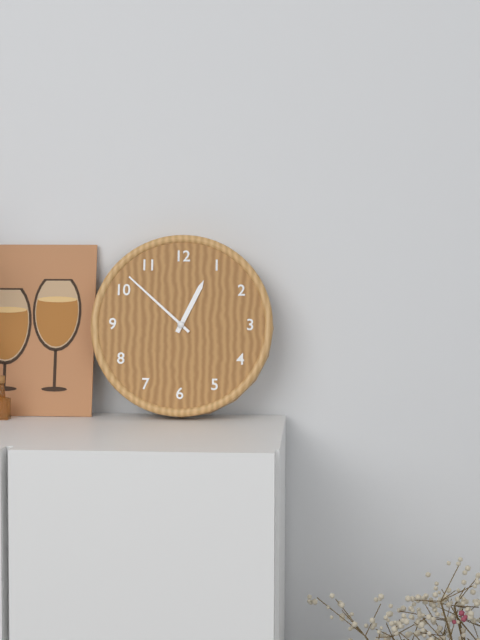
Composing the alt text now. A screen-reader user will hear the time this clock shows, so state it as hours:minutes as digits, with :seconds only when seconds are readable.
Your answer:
12:52
